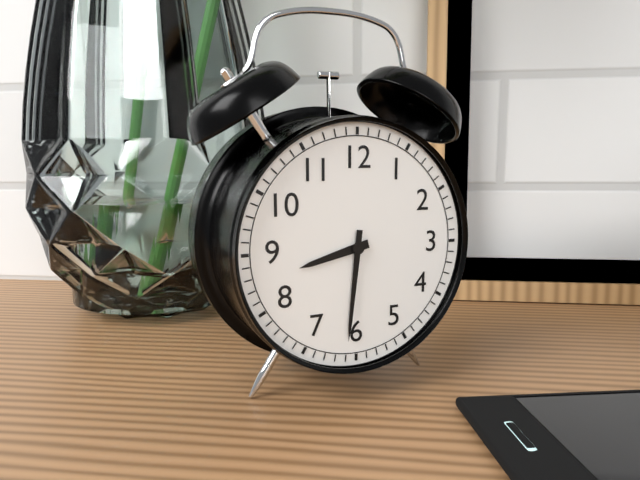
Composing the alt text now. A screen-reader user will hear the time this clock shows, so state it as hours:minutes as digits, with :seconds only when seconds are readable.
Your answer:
8:31
